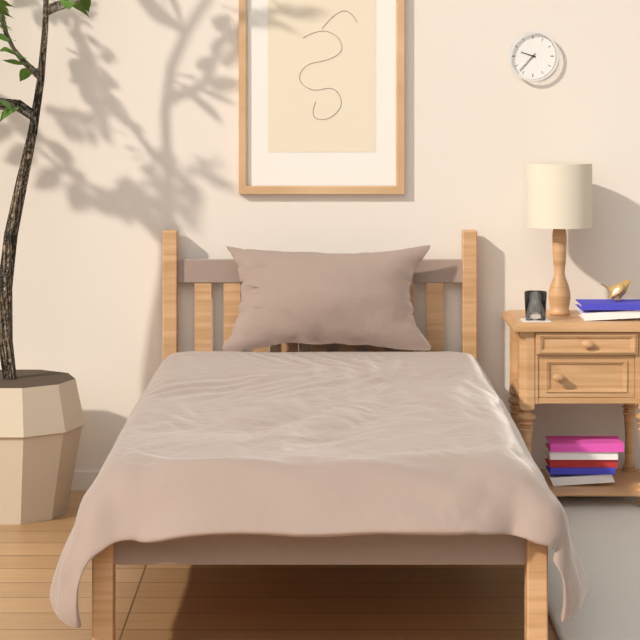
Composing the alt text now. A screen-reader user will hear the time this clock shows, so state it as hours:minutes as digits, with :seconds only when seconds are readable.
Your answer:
9:37
